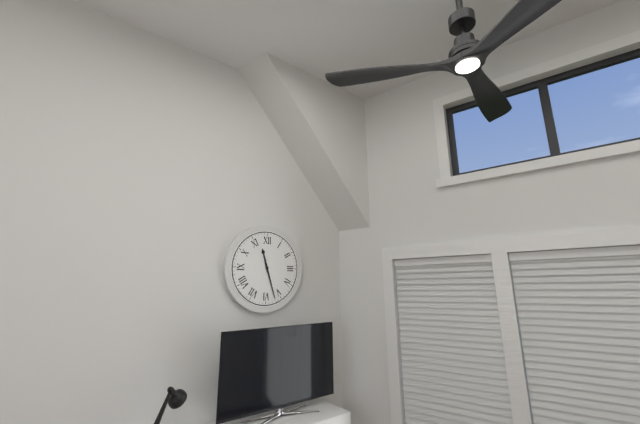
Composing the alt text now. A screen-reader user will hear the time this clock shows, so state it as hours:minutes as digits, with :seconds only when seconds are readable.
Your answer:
11:27
